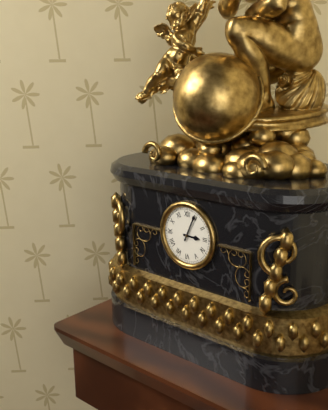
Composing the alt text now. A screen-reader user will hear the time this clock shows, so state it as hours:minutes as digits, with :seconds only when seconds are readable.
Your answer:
3:04
